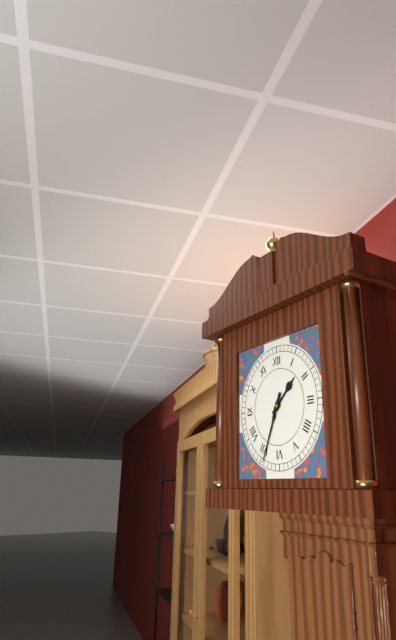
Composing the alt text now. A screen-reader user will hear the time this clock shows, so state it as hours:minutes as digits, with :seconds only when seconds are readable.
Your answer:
1:34
